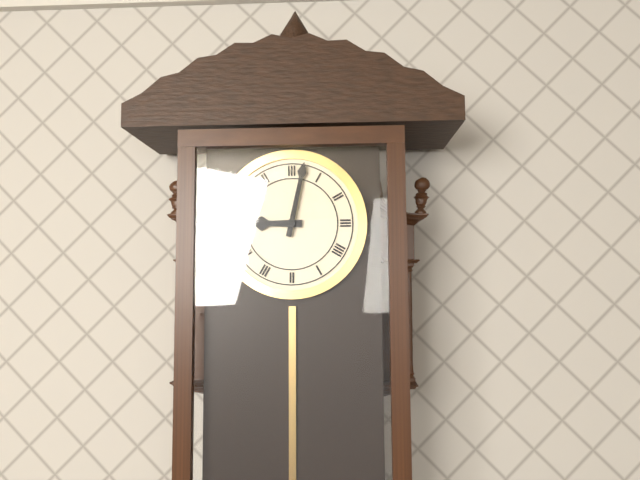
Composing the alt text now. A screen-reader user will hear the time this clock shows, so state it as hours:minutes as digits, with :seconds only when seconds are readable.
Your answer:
9:02
